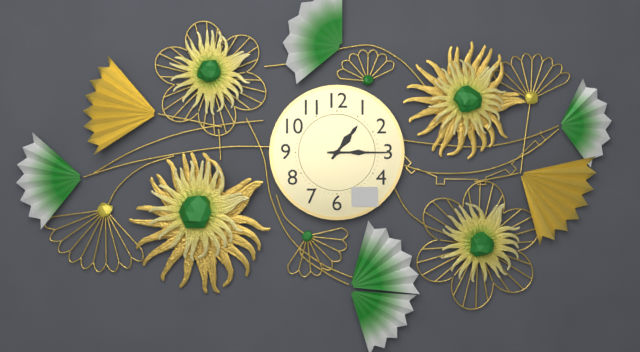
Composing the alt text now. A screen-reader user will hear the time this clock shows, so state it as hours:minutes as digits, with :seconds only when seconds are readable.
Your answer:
1:15
